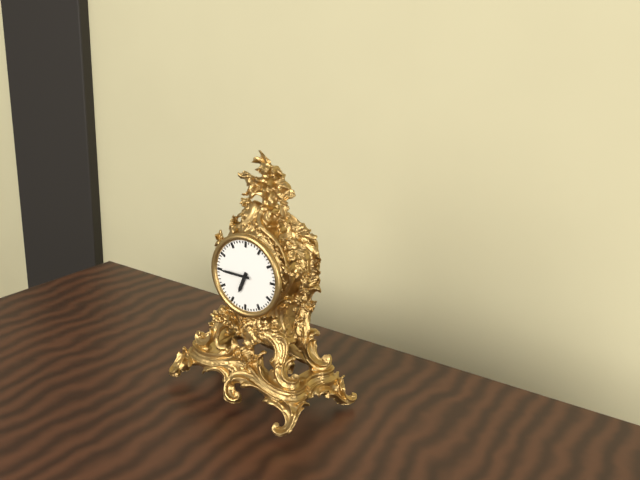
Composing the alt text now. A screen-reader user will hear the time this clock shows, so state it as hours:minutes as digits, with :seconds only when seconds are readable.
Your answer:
6:45
